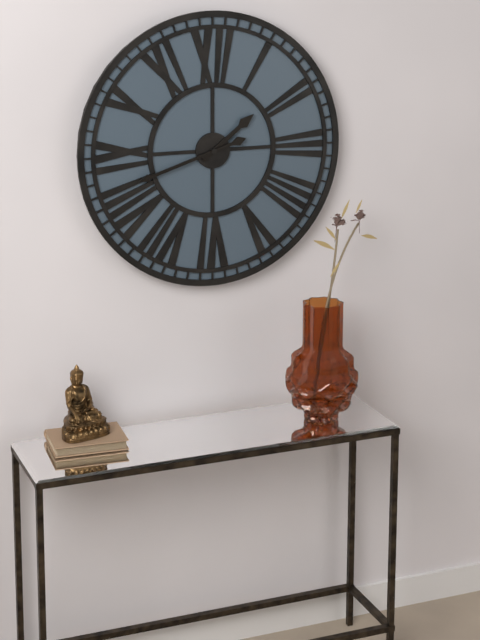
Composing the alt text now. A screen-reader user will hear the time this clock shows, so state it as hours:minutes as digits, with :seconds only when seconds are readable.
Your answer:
1:42
